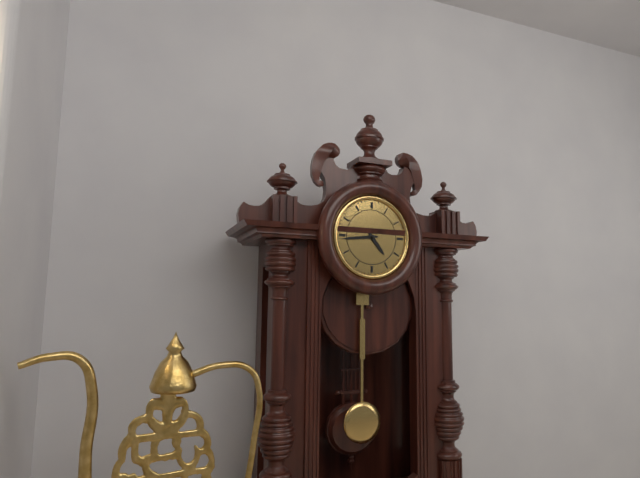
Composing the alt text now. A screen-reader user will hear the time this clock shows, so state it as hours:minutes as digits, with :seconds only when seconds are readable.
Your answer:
4:44
